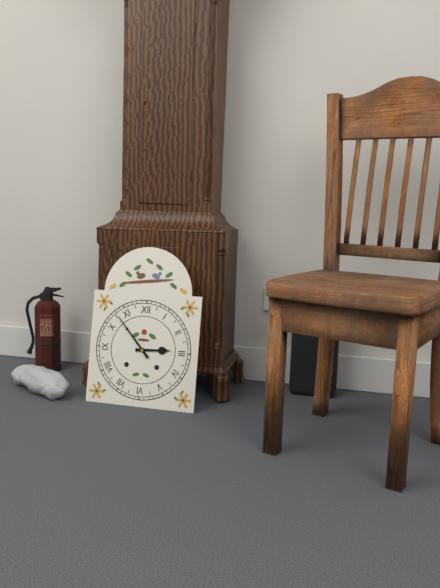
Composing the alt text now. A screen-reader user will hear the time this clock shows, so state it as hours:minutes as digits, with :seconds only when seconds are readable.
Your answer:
2:53
